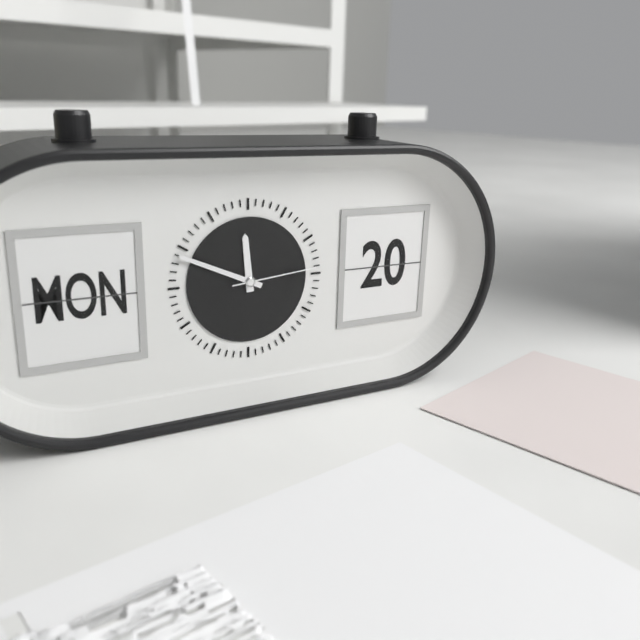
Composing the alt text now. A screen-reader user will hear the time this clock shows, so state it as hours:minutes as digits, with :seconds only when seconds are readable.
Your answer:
11:49:14
